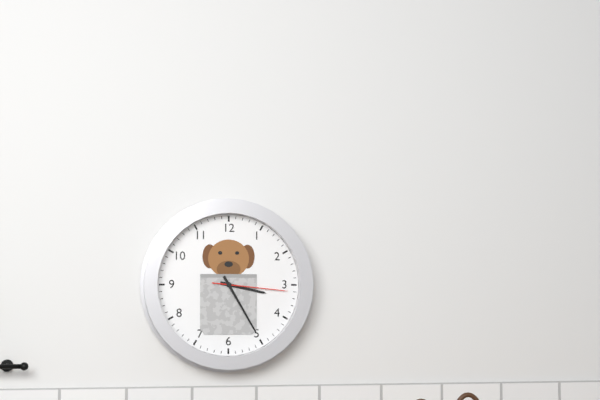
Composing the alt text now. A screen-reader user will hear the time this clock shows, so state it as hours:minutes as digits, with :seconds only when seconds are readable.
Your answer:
3:25:16
